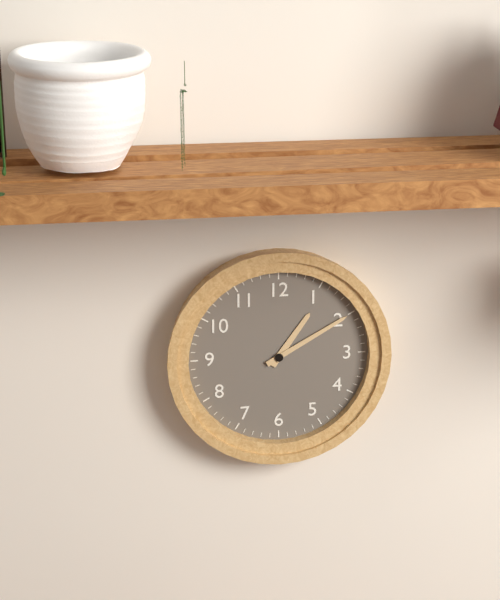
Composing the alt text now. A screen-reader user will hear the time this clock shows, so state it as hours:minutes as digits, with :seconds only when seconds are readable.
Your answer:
1:10
